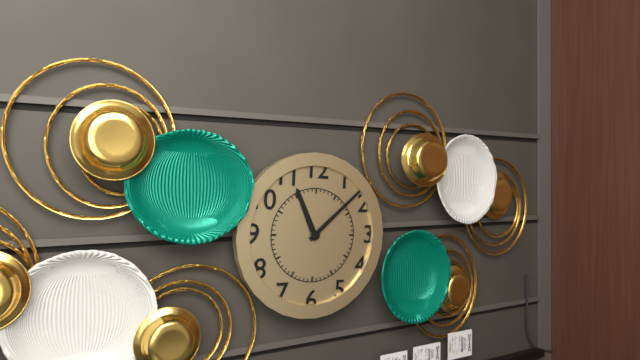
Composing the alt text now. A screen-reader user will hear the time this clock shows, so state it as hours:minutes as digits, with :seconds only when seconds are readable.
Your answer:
11:08
